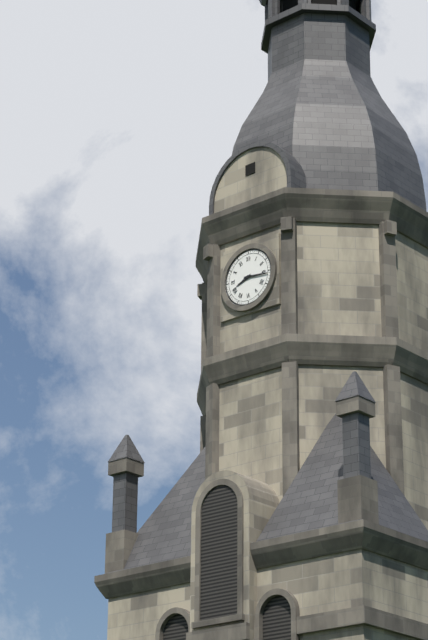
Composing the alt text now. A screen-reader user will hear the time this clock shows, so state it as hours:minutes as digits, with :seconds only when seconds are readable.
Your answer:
8:16
